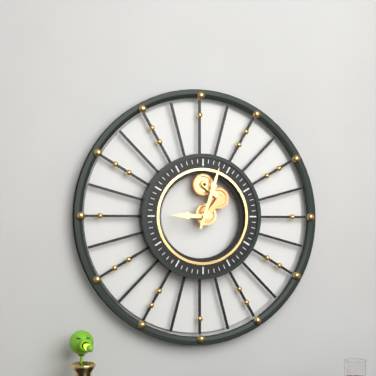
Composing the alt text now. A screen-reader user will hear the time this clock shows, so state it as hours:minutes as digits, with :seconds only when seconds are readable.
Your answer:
9:03
